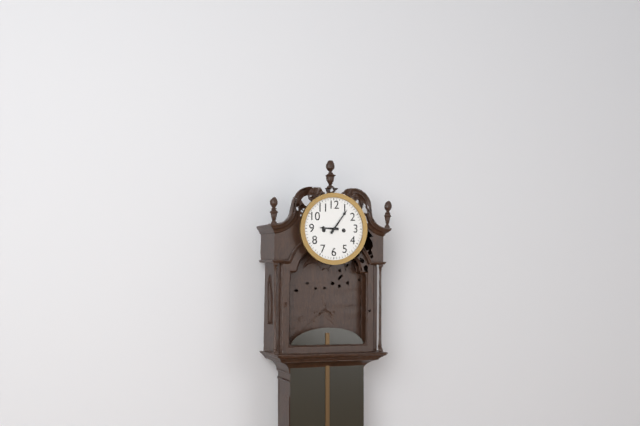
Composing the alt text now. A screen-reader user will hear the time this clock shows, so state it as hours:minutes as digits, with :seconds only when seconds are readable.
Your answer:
9:06
